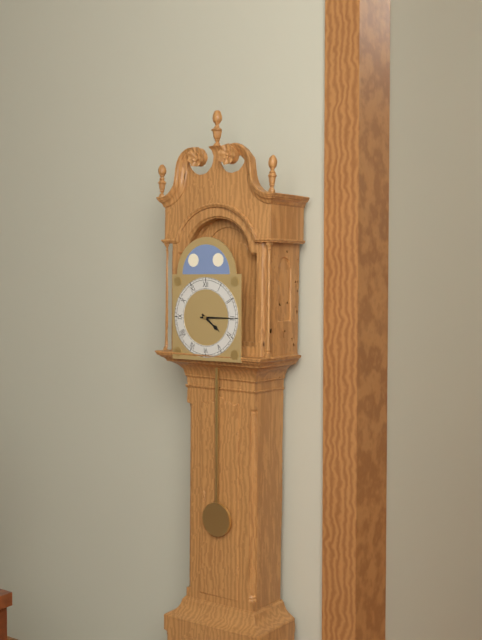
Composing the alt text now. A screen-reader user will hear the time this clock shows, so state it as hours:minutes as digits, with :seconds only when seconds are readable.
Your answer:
4:15
